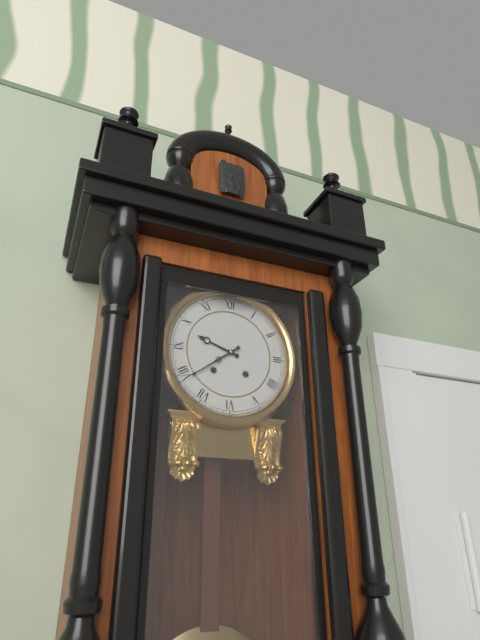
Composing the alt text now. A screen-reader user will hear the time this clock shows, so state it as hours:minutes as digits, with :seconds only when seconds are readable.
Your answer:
9:39
